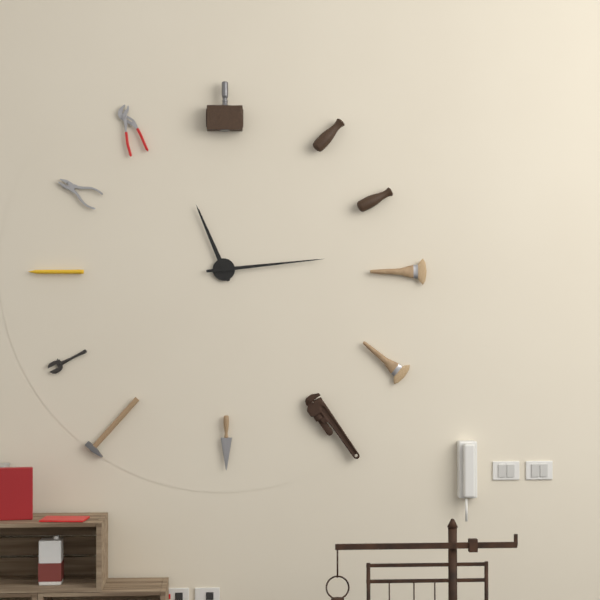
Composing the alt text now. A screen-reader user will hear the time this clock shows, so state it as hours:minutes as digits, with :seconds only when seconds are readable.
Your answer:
11:14
